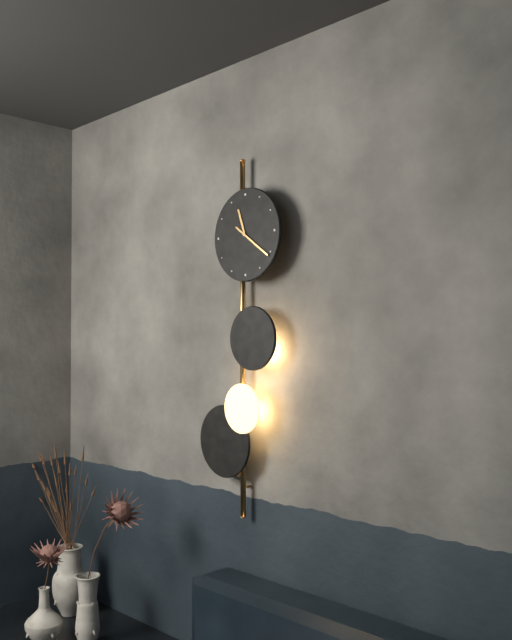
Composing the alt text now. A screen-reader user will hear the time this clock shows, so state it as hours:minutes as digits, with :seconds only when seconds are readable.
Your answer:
11:21
